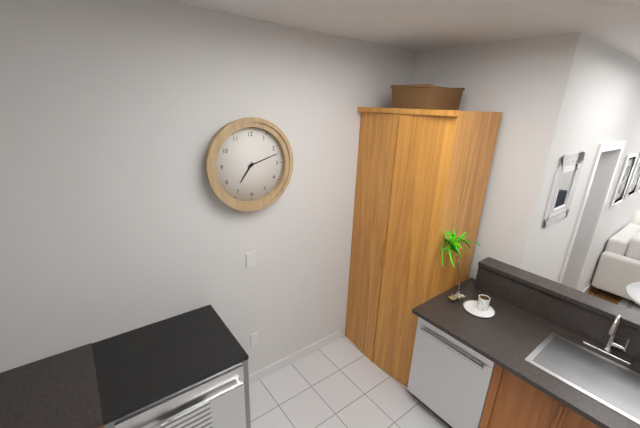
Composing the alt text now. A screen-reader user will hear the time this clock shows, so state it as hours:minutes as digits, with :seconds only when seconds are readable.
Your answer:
7:12
